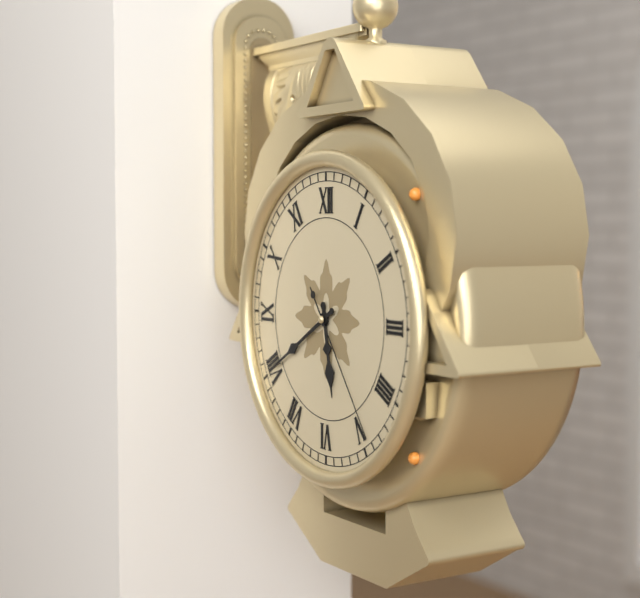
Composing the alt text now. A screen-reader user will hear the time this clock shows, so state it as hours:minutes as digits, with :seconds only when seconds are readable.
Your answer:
5:40:24
